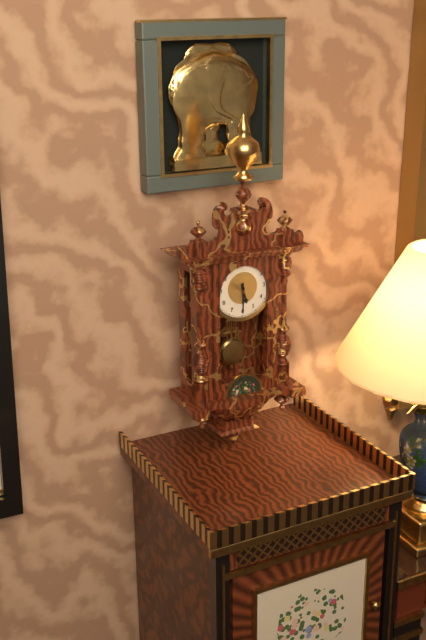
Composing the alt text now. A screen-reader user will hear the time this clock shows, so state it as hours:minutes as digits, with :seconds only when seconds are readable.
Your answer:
5:30
